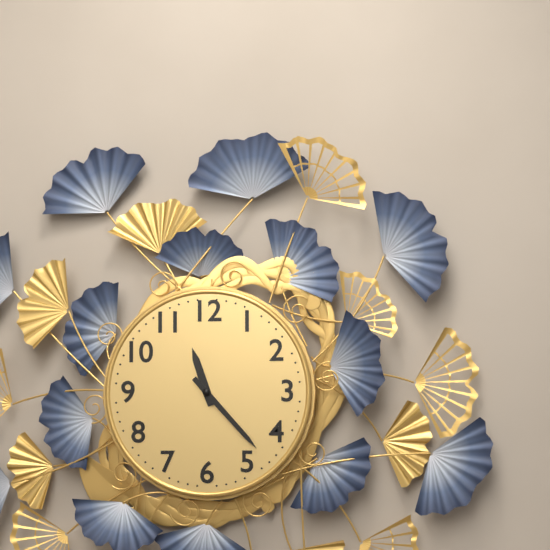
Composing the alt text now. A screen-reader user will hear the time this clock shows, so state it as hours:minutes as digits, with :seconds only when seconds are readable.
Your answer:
11:23
